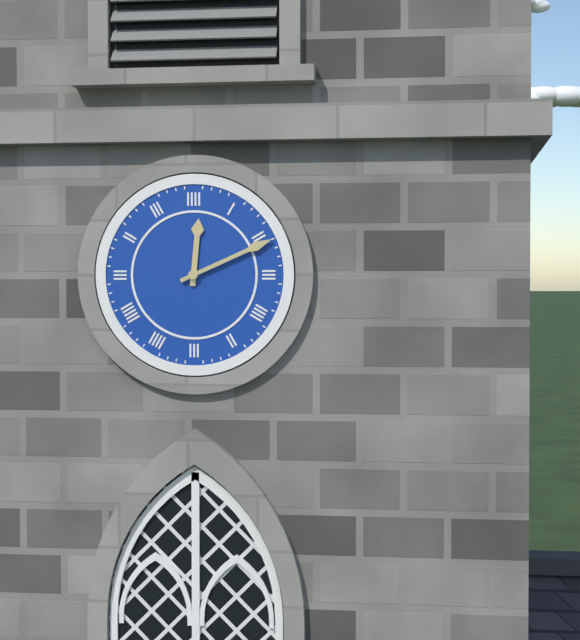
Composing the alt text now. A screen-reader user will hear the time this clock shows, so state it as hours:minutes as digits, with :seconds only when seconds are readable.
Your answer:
12:11
